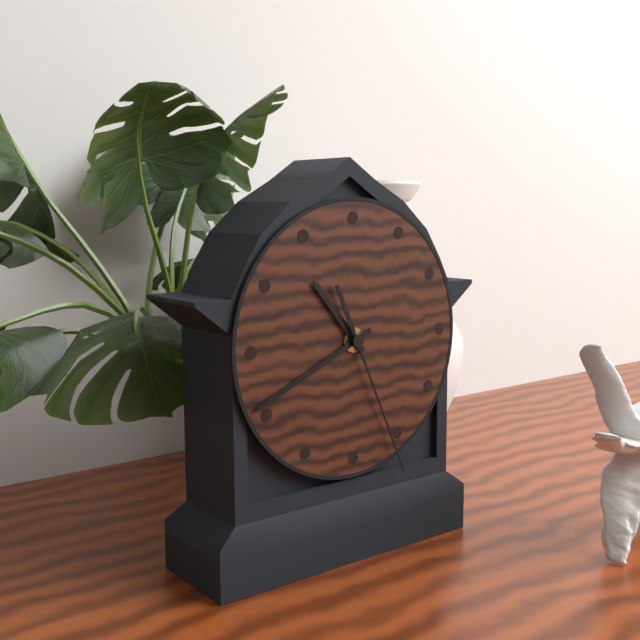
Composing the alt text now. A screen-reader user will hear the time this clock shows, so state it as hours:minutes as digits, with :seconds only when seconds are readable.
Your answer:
10:41:26
